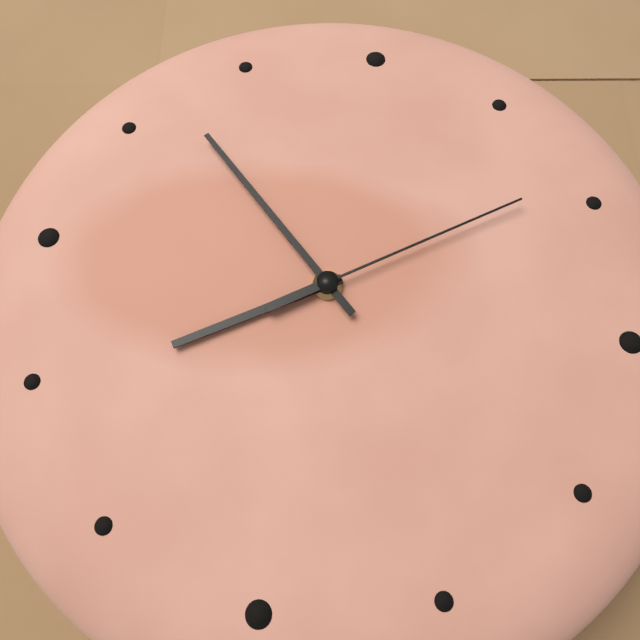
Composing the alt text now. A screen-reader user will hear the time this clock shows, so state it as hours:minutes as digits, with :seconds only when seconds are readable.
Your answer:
7:52:09
